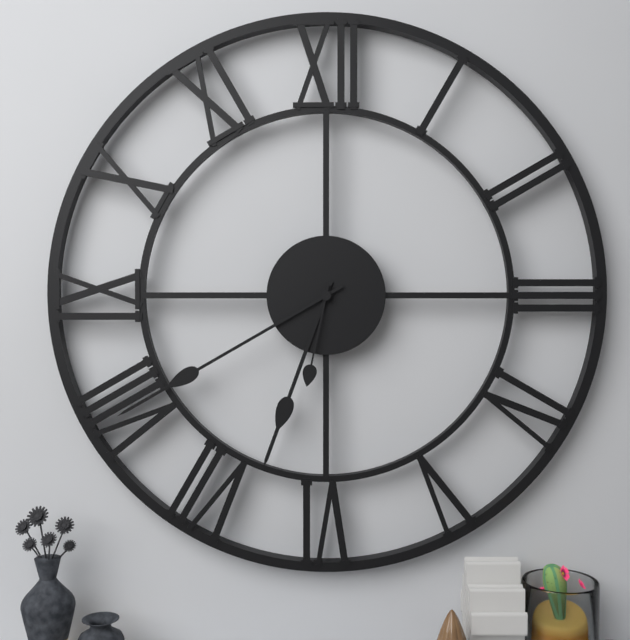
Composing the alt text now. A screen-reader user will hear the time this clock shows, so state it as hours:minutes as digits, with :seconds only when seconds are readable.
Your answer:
6:40:32
